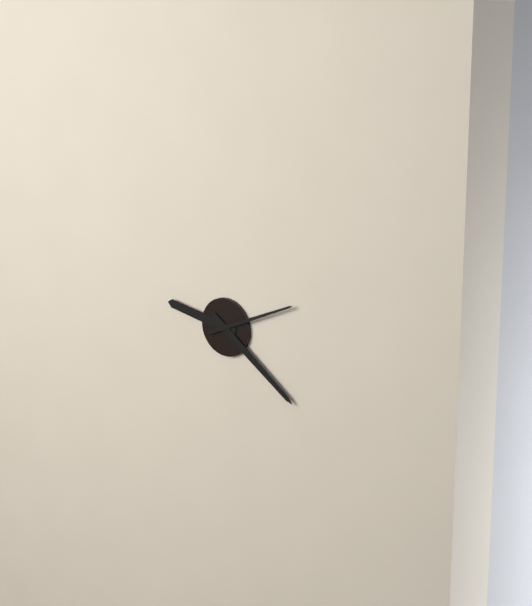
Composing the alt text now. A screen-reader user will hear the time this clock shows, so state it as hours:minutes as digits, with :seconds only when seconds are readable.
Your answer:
9:21:11
